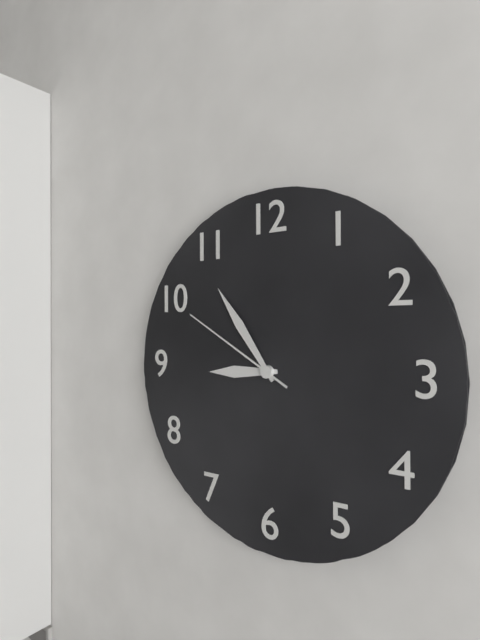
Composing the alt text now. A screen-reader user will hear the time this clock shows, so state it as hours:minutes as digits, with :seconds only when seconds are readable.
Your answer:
8:54:50
